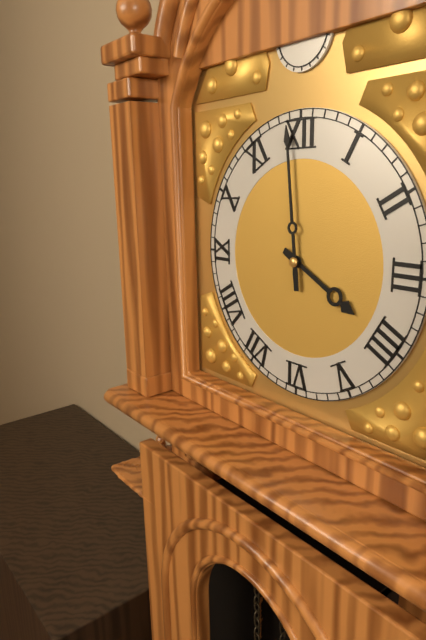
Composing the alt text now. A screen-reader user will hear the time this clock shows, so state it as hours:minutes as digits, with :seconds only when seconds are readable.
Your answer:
3:59
